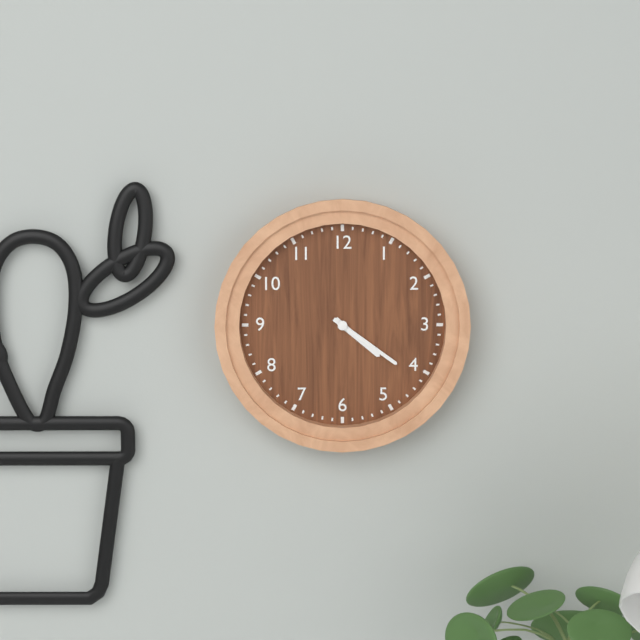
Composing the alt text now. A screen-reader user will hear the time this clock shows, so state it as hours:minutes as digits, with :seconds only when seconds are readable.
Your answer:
4:21
